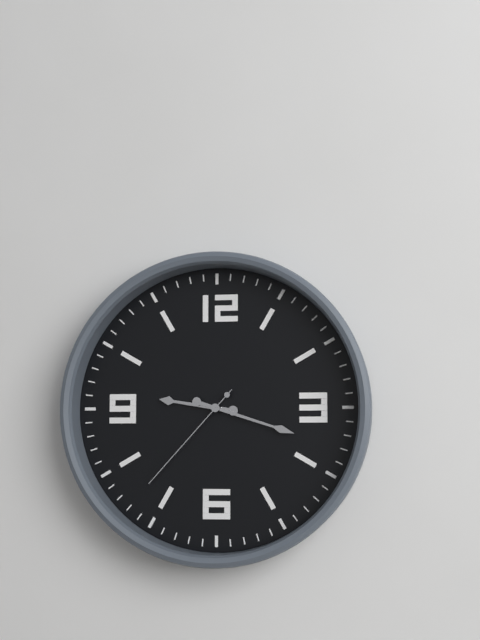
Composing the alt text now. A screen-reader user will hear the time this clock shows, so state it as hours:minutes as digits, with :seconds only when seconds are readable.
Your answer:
9:18:37
